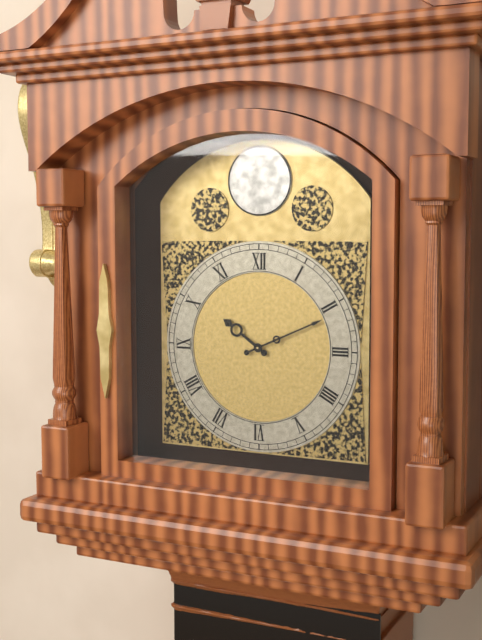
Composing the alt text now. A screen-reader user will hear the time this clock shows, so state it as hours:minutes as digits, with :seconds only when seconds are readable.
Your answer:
10:11
